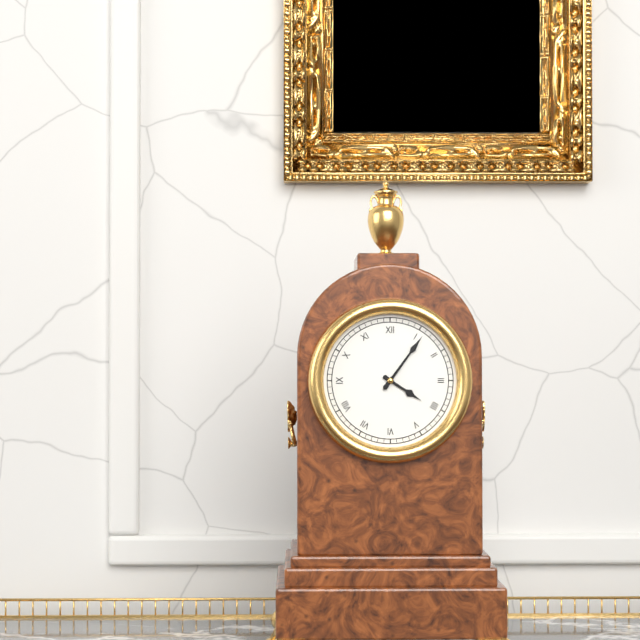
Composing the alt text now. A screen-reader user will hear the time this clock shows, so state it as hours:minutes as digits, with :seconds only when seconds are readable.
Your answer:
4:06
